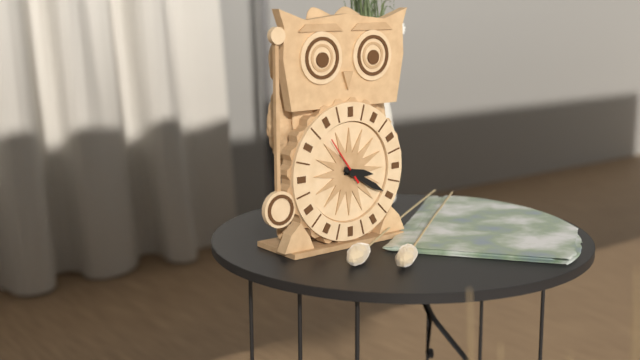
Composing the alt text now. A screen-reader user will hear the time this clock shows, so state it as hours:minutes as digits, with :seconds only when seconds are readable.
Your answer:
3:20
